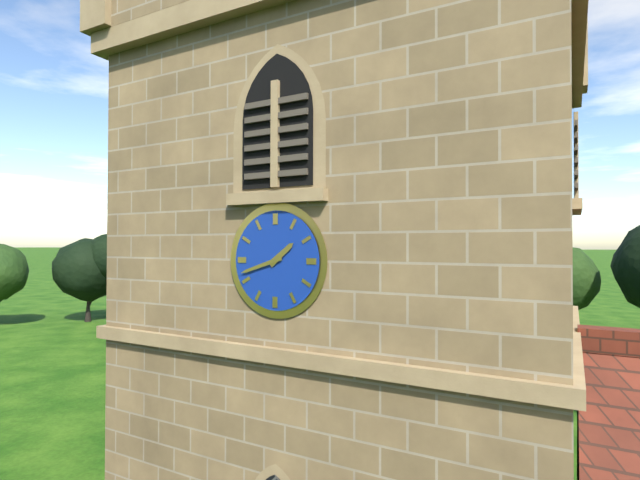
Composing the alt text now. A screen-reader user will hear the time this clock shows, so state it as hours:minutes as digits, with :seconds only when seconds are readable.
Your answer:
1:42
